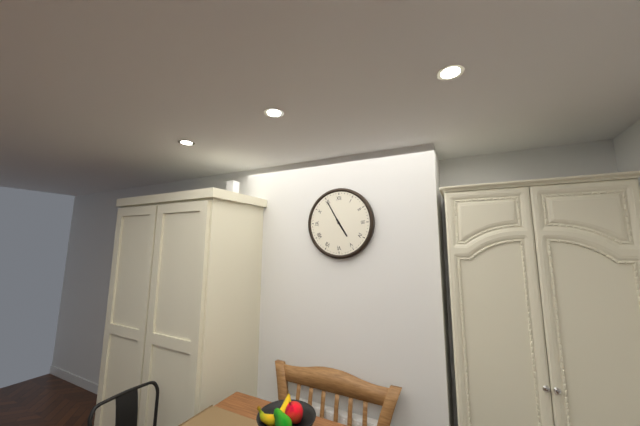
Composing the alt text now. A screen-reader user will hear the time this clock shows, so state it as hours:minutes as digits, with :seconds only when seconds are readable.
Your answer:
4:55
